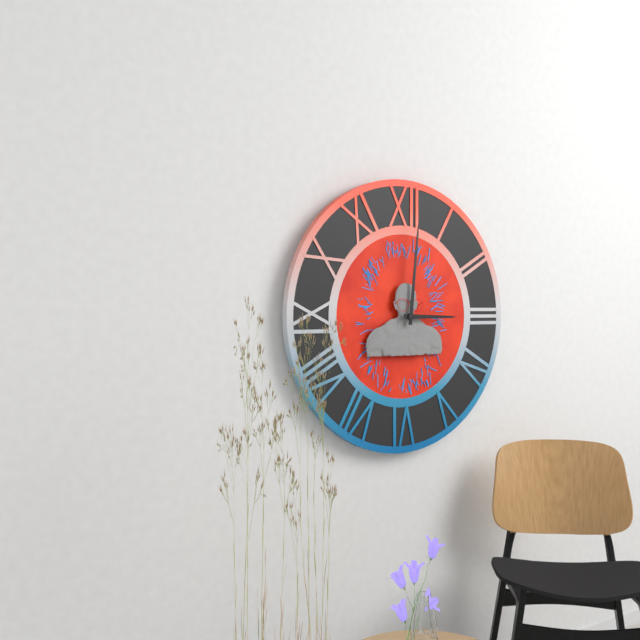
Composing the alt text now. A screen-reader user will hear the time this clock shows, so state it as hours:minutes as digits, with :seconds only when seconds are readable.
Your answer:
3:01
